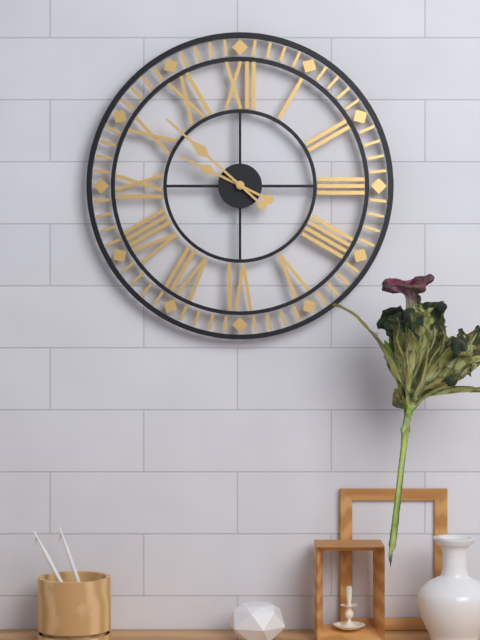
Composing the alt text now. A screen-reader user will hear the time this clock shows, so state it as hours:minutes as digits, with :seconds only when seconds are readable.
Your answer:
9:52
